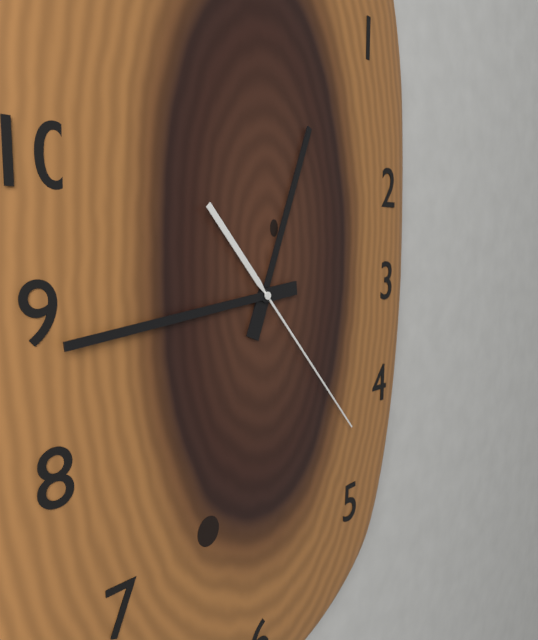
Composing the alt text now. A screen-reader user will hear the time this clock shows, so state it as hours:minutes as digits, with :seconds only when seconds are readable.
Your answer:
12:44:23
